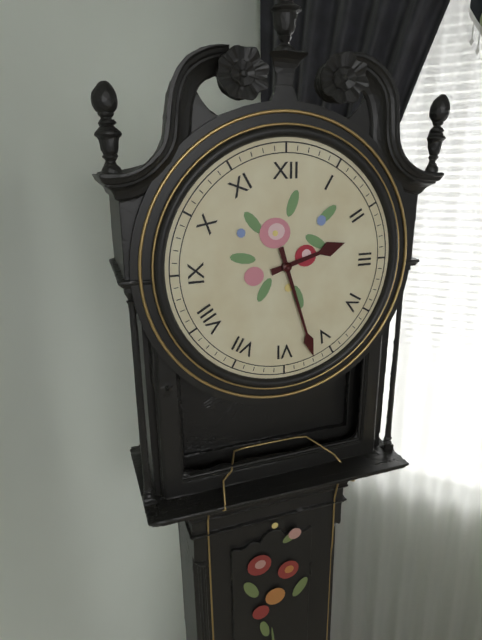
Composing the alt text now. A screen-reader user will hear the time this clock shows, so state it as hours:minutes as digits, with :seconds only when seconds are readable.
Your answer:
2:27
